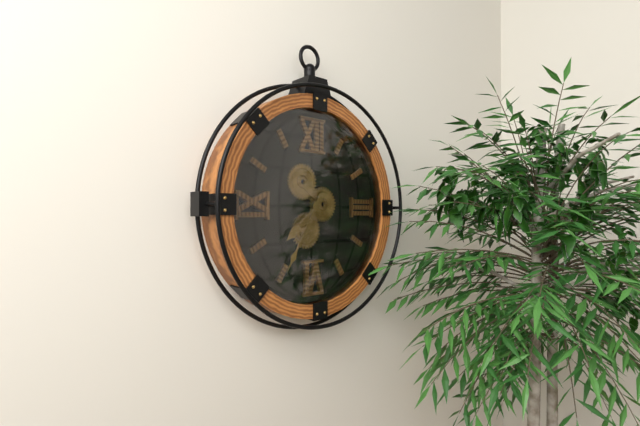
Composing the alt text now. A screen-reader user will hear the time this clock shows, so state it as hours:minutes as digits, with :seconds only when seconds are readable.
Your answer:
7:35
